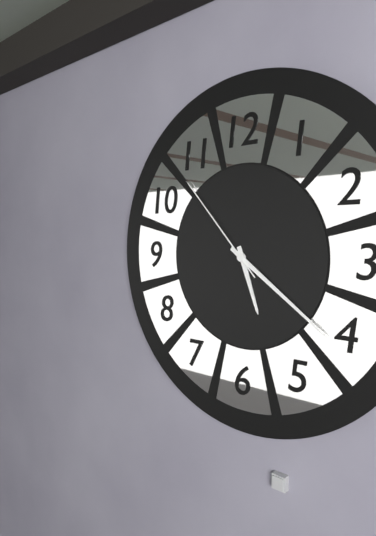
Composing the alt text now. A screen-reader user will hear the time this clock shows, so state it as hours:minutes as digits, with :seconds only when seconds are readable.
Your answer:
5:21:53
